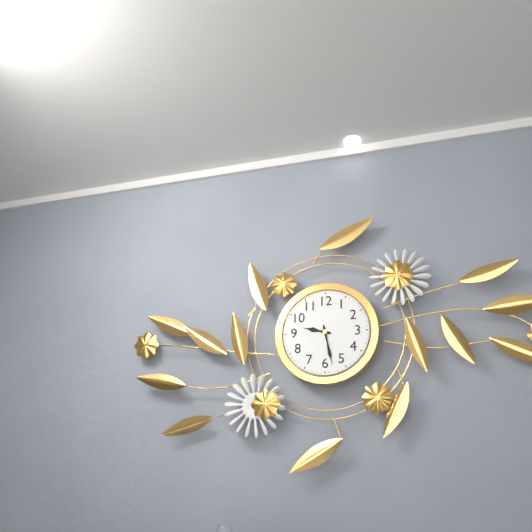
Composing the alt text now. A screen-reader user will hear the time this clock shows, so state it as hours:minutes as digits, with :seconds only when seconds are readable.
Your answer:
9:28
